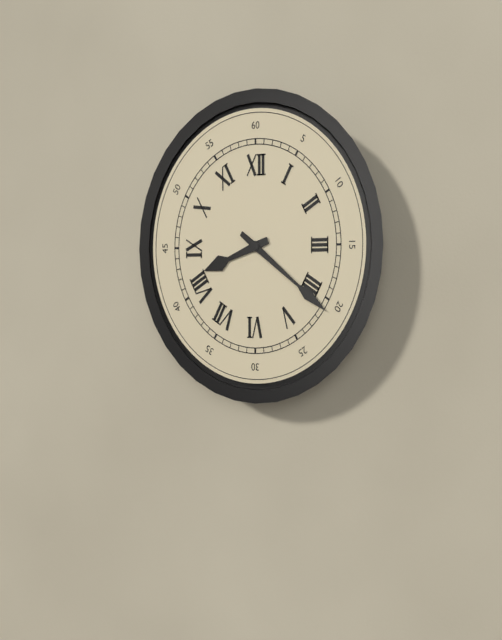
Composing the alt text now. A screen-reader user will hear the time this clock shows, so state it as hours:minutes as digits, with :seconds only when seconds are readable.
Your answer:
8:21
